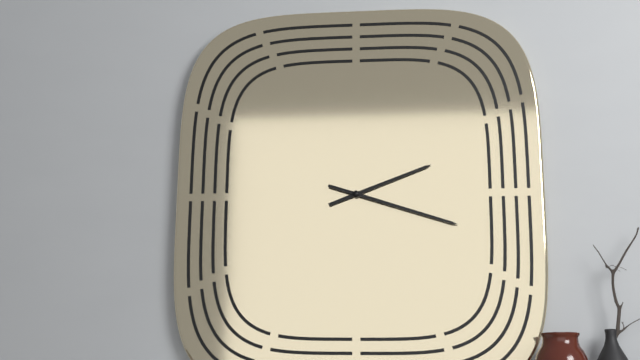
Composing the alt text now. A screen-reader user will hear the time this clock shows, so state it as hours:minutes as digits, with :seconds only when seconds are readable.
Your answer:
2:18
